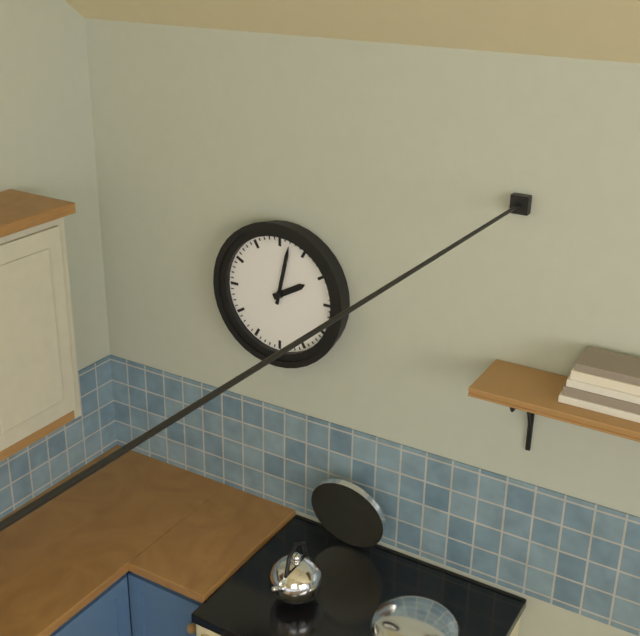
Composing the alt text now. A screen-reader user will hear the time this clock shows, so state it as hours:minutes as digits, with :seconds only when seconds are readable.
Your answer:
2:02
